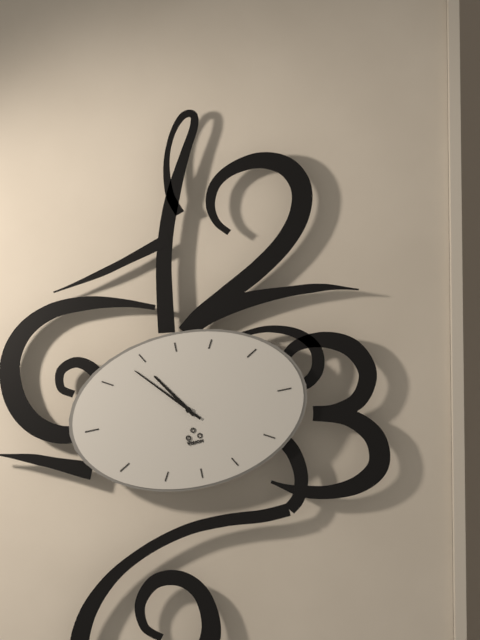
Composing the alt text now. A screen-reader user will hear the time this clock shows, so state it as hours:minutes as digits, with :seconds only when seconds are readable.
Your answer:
10:53
